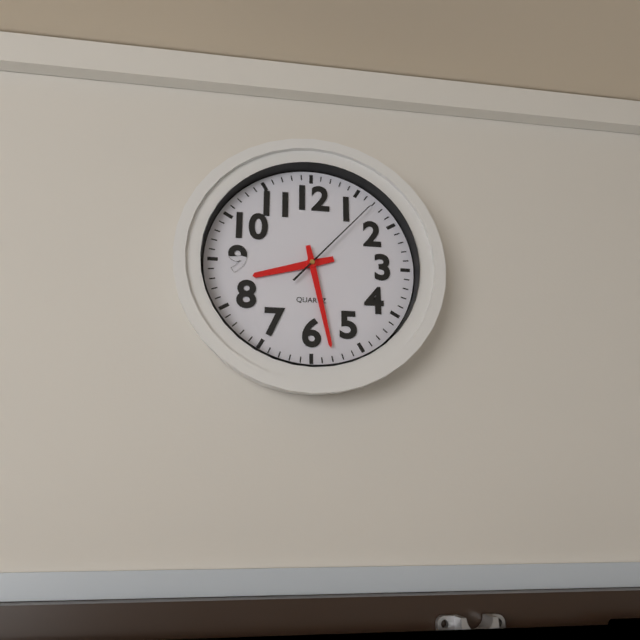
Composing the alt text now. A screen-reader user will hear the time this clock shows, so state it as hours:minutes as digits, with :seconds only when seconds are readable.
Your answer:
8:28:07
